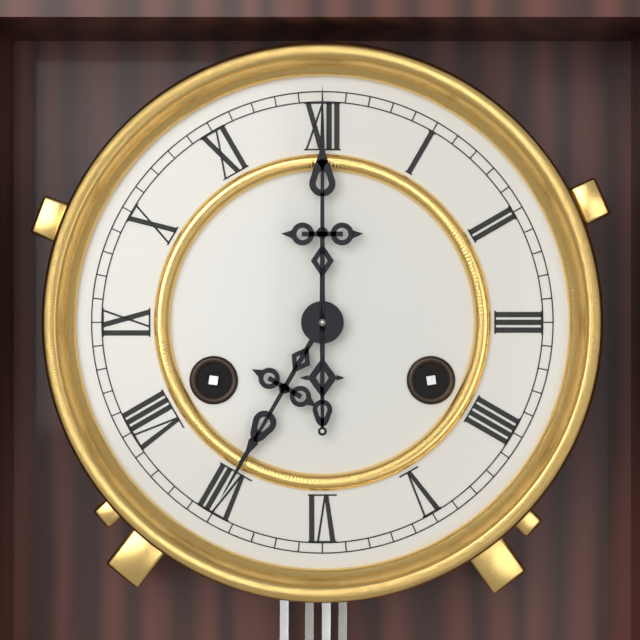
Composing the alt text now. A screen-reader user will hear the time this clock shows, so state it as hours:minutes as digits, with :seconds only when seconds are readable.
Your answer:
7:00
